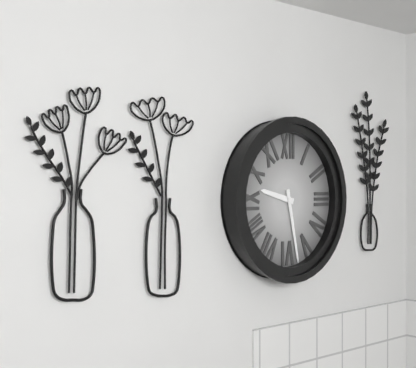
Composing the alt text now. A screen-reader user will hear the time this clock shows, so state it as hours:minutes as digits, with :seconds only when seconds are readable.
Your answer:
9:28
